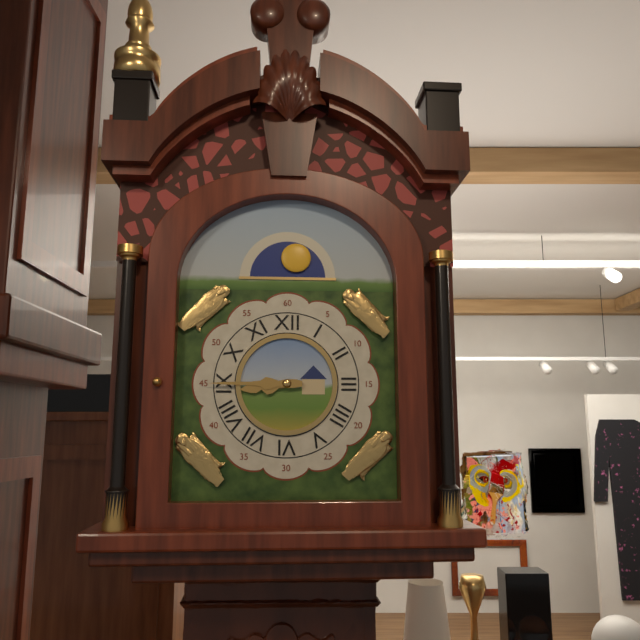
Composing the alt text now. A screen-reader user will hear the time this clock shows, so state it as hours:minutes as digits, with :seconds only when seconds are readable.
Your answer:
8:45
